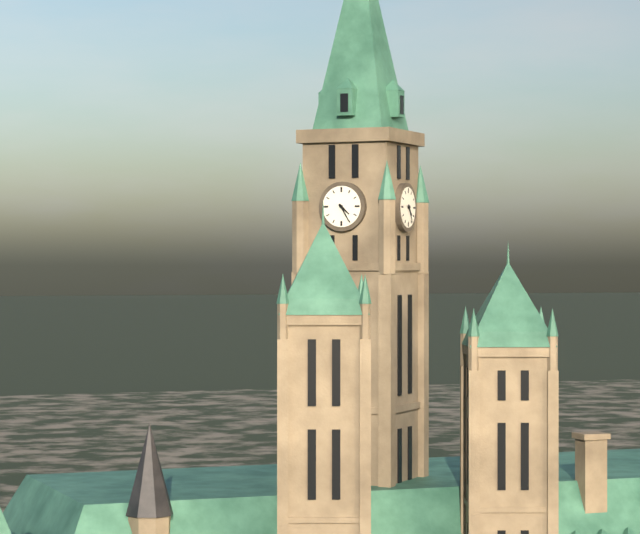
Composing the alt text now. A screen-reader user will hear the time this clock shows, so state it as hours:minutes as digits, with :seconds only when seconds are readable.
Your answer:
4:25
